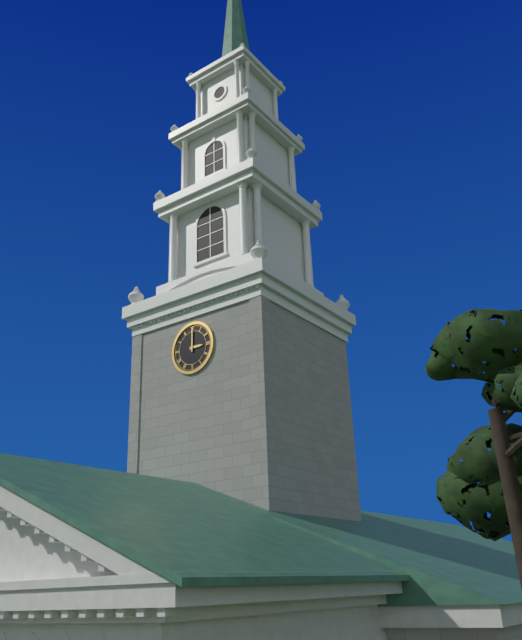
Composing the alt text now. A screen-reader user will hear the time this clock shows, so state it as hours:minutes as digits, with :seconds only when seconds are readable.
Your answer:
3:00
